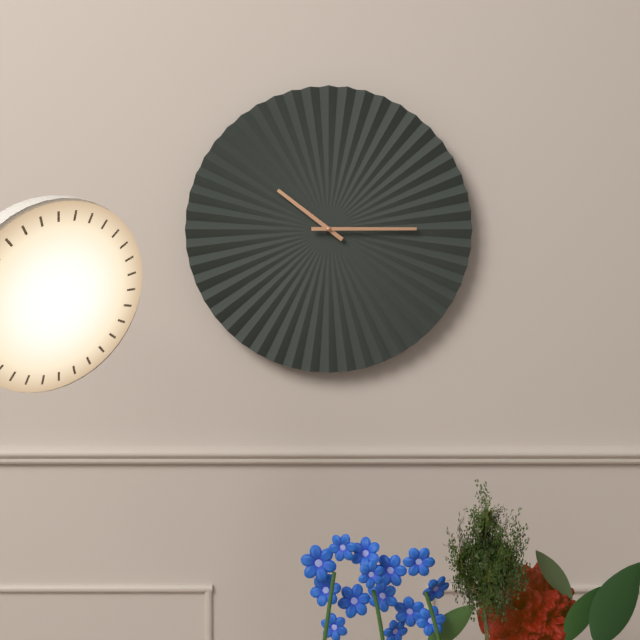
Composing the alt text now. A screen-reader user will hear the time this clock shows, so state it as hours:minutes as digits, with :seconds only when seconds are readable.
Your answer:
10:15
